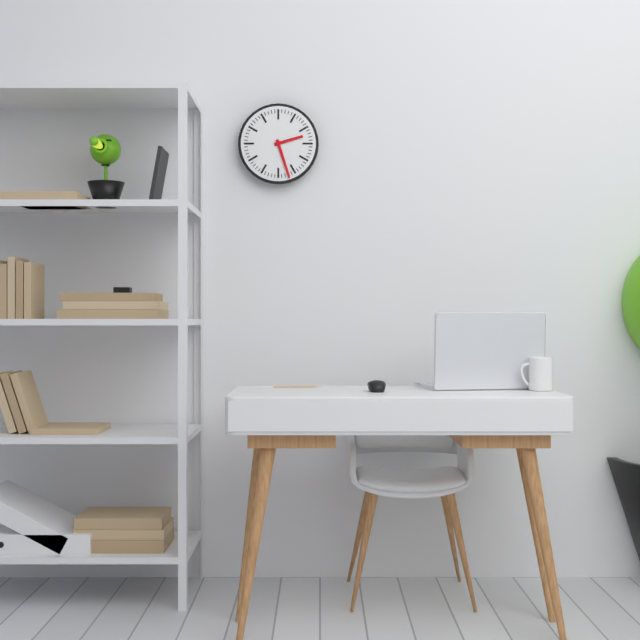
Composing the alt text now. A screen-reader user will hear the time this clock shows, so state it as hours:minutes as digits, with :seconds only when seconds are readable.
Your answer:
2:27
